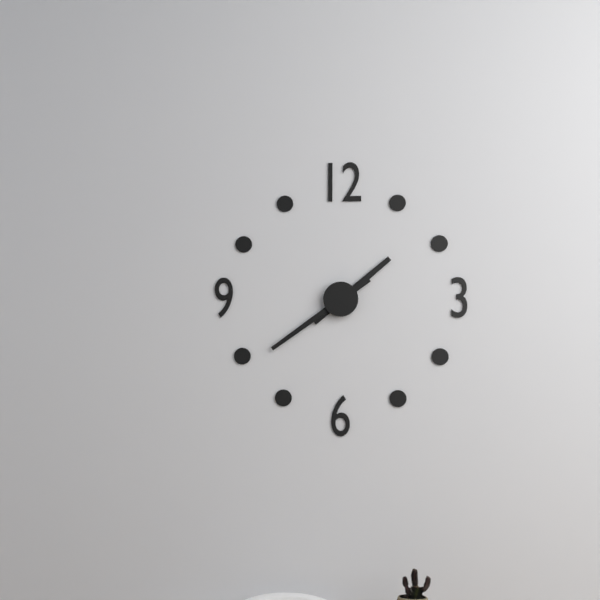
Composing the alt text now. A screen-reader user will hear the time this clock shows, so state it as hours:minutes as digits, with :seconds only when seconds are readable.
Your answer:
1:39
